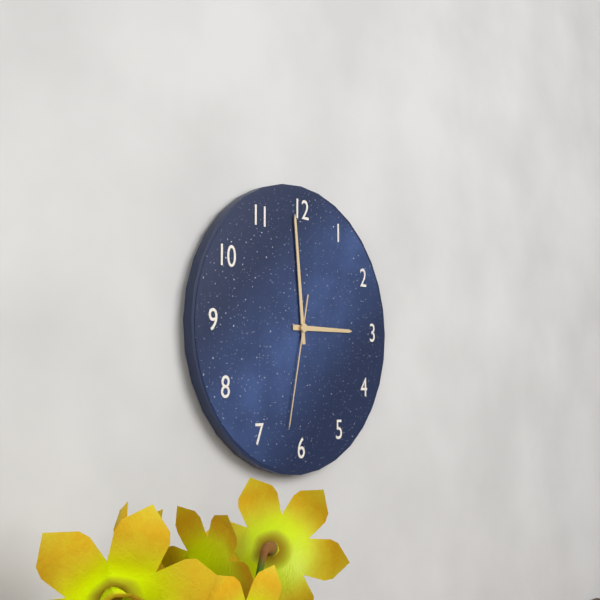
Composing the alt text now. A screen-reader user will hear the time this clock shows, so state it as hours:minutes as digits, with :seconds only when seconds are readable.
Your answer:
2:59:32
